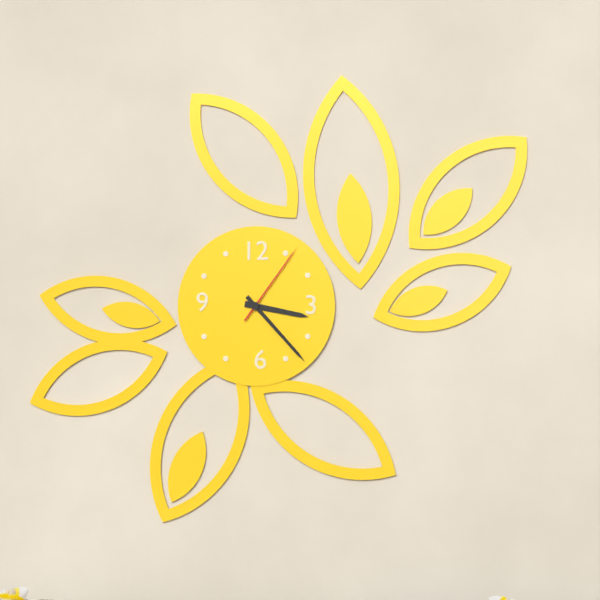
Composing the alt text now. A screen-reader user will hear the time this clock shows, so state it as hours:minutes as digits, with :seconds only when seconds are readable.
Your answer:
3:23:06
